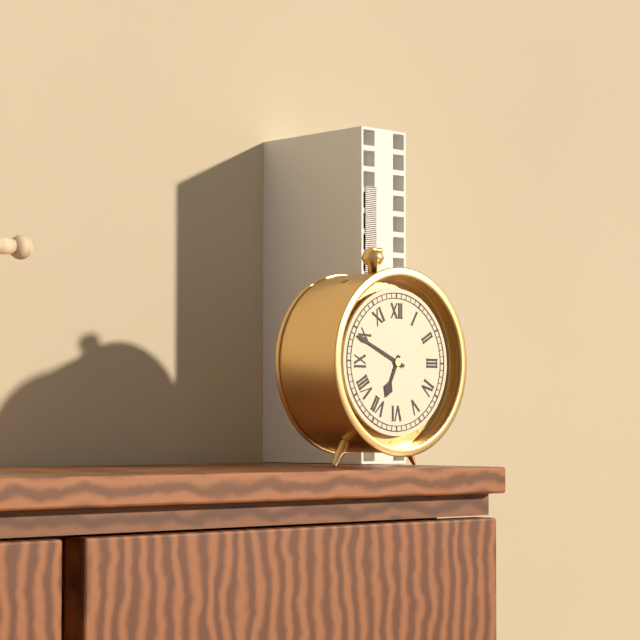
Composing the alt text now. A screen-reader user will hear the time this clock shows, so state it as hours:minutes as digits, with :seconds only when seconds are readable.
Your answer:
6:49
